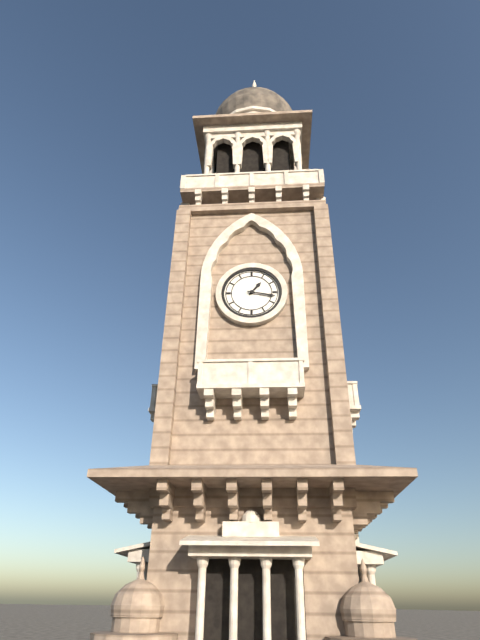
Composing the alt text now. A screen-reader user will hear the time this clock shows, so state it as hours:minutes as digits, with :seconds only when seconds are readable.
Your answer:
1:17
